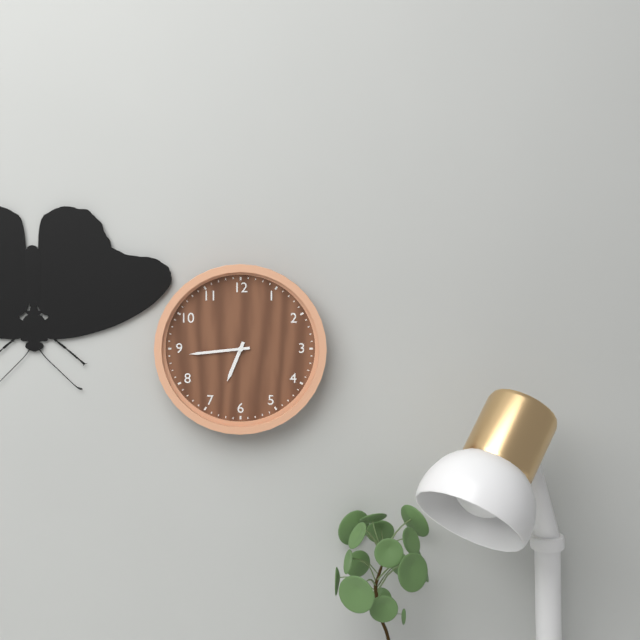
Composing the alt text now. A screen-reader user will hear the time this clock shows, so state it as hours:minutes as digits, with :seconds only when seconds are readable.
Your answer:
6:44
